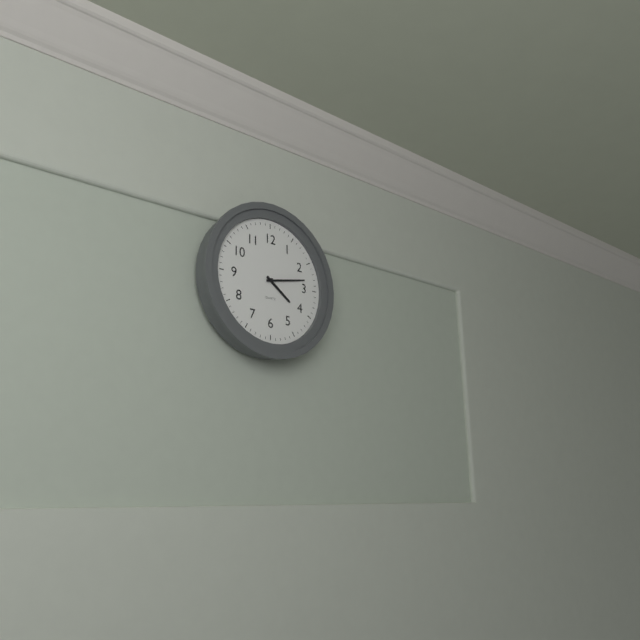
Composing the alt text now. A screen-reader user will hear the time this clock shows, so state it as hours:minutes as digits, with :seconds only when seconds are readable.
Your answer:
4:13
